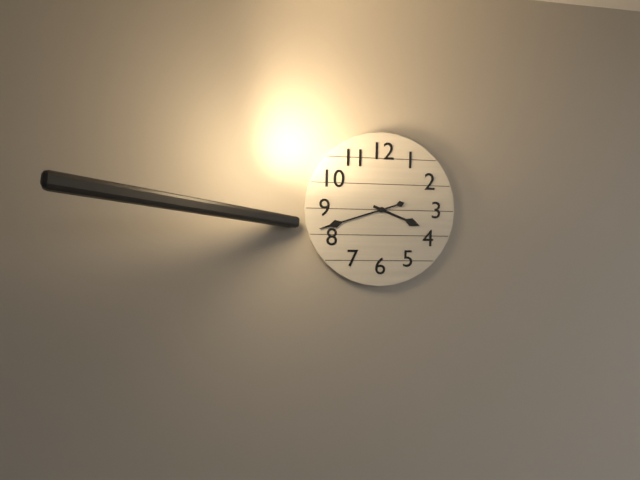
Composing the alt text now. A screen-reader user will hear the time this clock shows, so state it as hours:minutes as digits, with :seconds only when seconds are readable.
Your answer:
3:42
